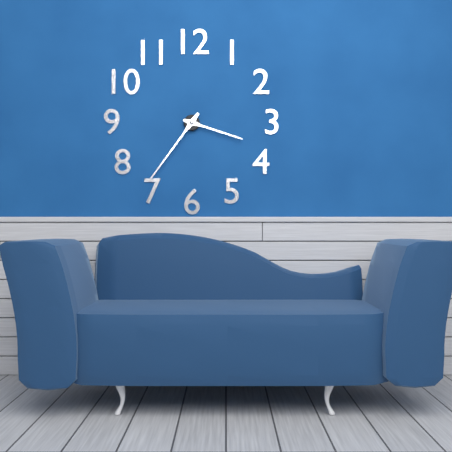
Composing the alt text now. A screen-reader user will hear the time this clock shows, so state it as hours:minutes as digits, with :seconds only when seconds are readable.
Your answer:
3:36
